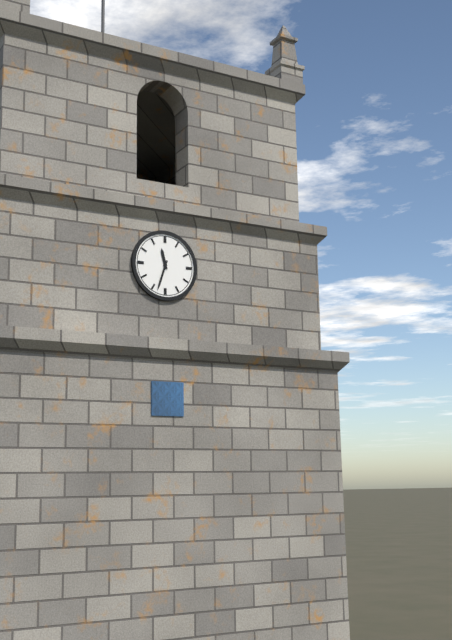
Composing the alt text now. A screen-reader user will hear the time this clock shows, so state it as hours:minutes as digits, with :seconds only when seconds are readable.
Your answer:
11:33
